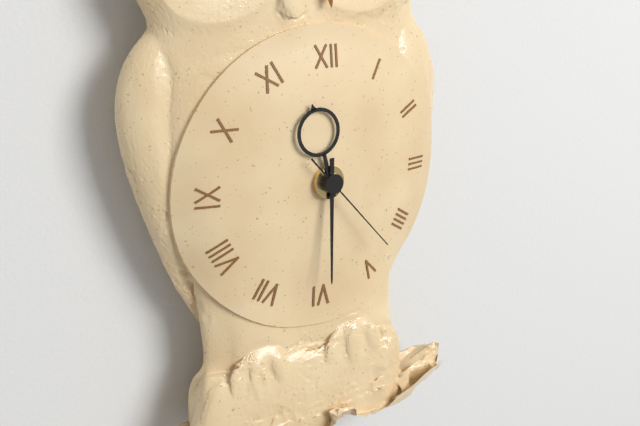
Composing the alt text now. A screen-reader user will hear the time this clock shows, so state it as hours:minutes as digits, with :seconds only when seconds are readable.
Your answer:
11:30:23
